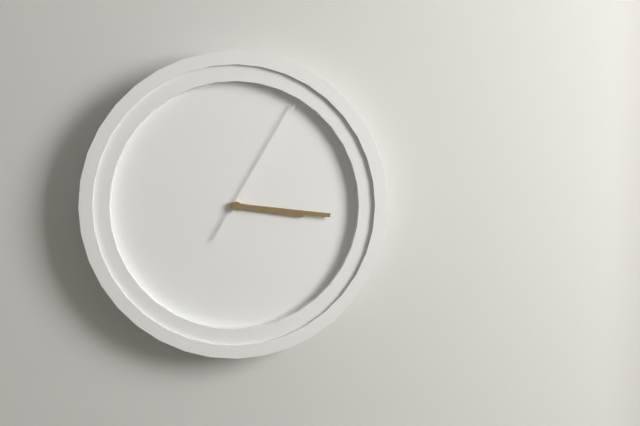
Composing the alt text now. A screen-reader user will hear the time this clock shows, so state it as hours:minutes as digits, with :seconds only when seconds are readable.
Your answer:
3:16:05
